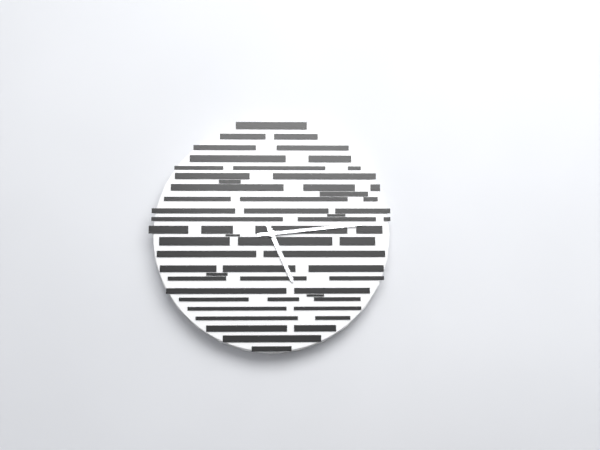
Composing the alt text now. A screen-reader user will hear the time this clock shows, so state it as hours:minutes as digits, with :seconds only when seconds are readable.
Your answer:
5:14
